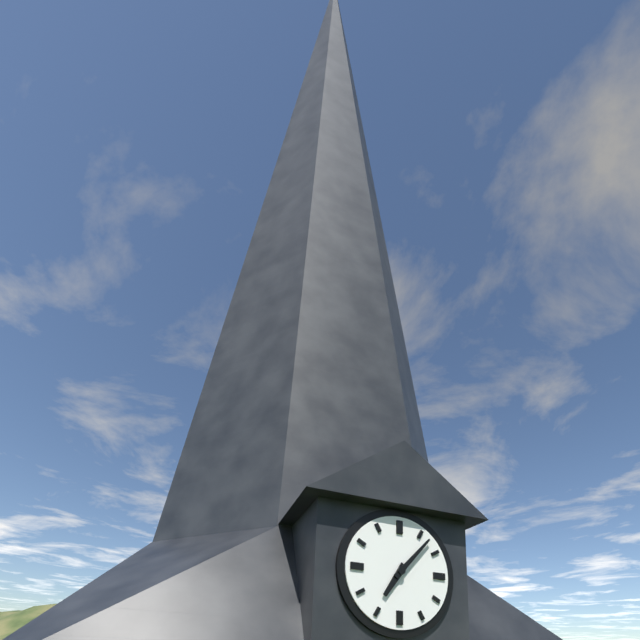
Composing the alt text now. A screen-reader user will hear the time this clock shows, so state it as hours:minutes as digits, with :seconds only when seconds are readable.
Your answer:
7:07
